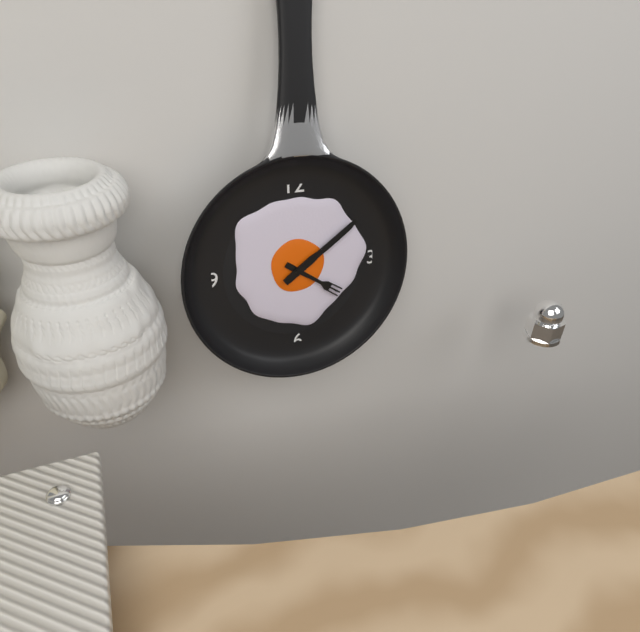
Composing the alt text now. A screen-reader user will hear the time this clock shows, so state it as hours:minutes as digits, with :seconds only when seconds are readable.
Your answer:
4:09
